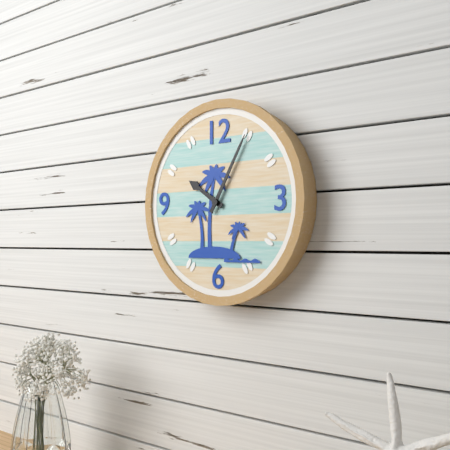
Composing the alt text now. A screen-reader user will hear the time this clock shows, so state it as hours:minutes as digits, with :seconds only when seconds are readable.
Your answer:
10:05
